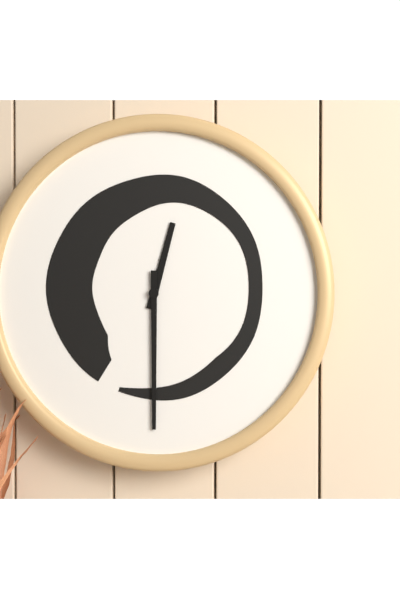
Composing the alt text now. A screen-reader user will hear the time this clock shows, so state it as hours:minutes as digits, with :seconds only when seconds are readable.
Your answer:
12:30
